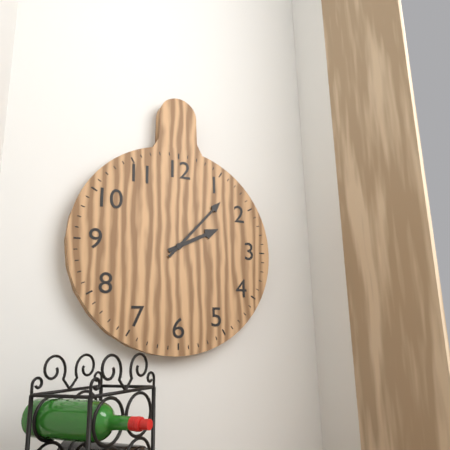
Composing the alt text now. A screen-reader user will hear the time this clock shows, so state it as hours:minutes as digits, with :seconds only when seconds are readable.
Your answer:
2:07
